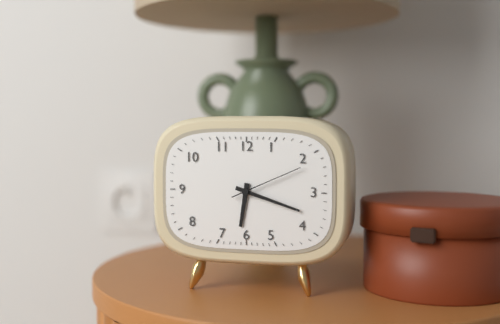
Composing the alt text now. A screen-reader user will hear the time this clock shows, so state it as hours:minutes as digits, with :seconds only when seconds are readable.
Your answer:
6:18:11
